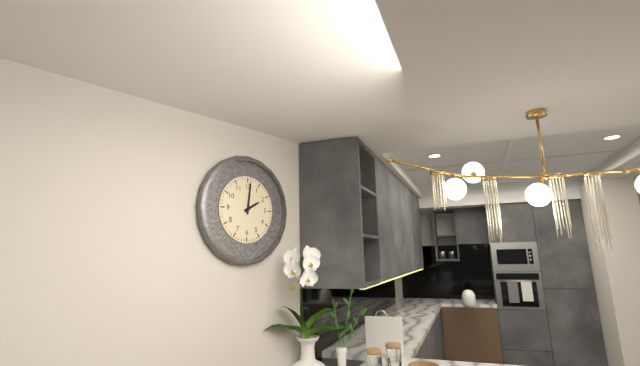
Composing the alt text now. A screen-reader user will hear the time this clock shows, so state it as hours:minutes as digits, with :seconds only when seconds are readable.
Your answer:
2:01
